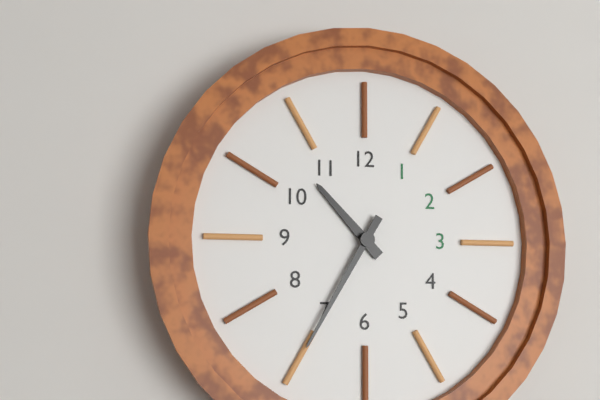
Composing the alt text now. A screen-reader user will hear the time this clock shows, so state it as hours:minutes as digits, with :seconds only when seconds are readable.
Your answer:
10:35
